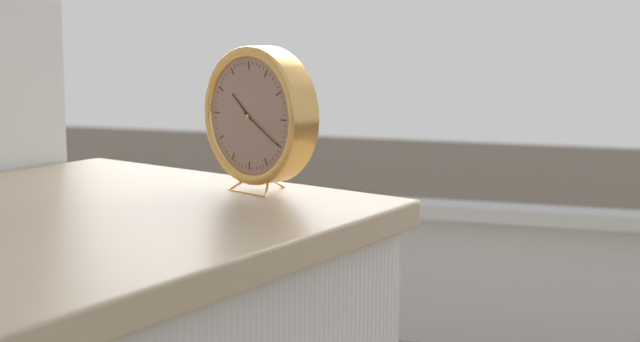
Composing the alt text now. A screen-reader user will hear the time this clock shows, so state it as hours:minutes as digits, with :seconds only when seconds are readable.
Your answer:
10:20
